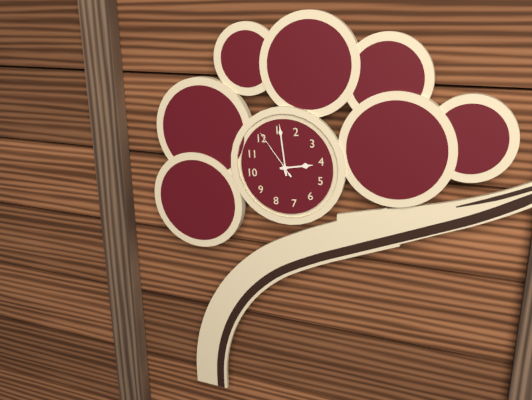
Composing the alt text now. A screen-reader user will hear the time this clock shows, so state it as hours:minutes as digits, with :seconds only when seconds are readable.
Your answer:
4:06:01
